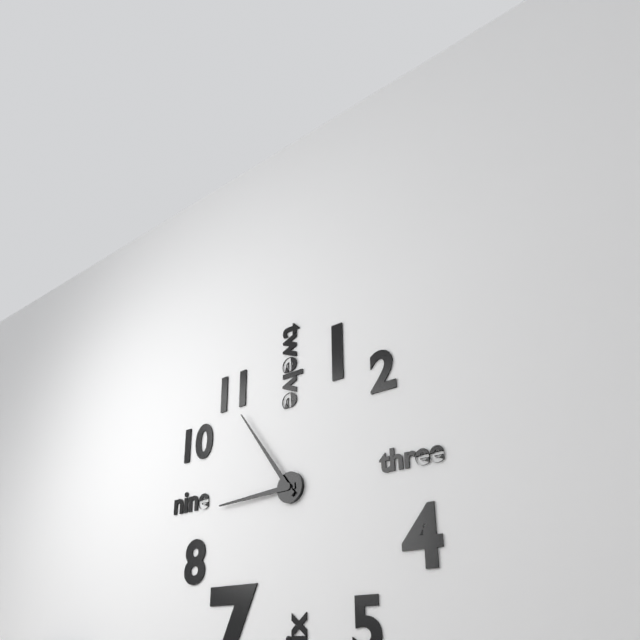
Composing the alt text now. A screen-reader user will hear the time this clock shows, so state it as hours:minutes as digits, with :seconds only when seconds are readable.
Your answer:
8:54
